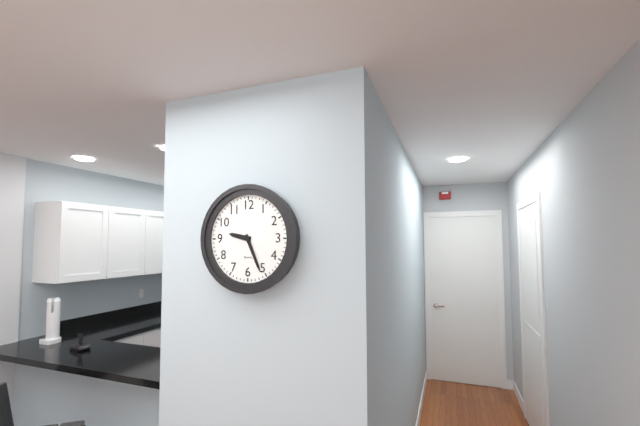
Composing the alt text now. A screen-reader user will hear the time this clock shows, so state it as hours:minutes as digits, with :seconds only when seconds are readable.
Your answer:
9:26
